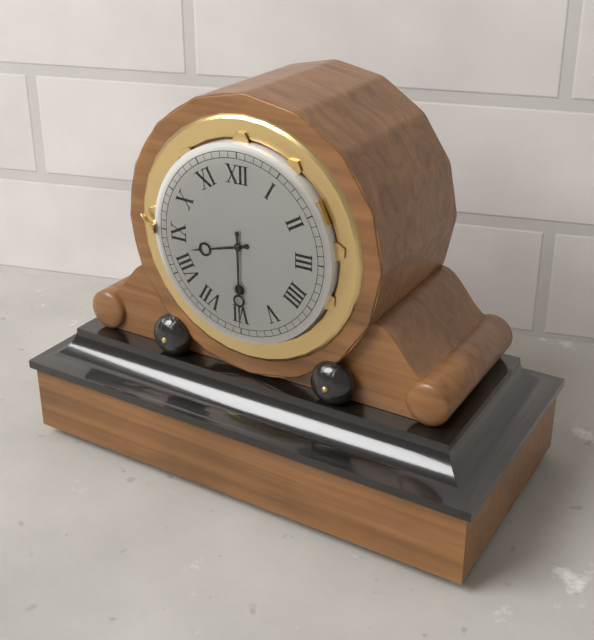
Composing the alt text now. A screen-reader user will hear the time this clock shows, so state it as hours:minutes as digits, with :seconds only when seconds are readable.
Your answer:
8:30
